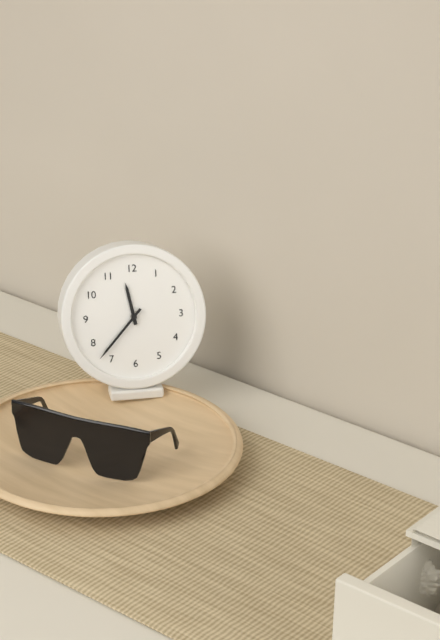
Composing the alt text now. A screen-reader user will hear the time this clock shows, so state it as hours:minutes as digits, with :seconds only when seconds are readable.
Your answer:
11:37
